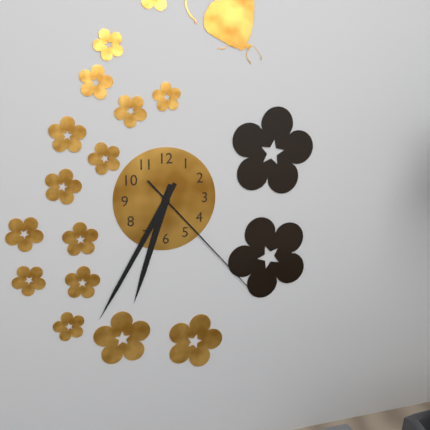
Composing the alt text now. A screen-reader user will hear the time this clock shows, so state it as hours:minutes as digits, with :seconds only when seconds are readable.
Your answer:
6:35:23
